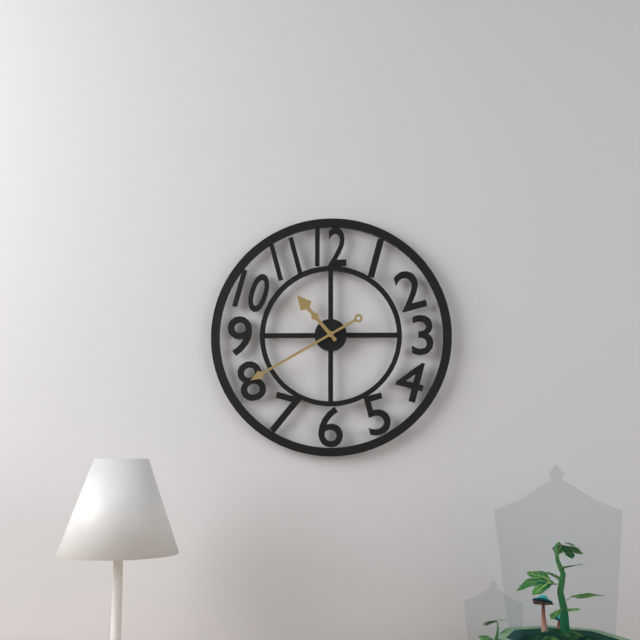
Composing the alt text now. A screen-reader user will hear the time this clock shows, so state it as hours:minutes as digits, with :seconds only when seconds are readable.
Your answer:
10:40
